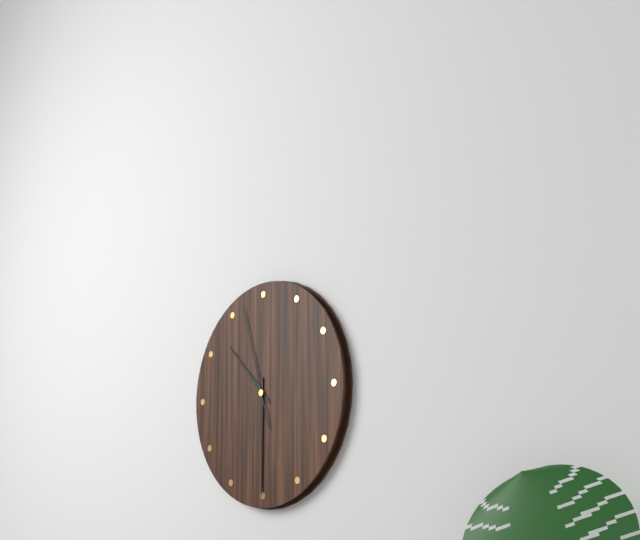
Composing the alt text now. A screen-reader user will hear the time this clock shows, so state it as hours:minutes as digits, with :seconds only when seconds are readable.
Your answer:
10:30:57
